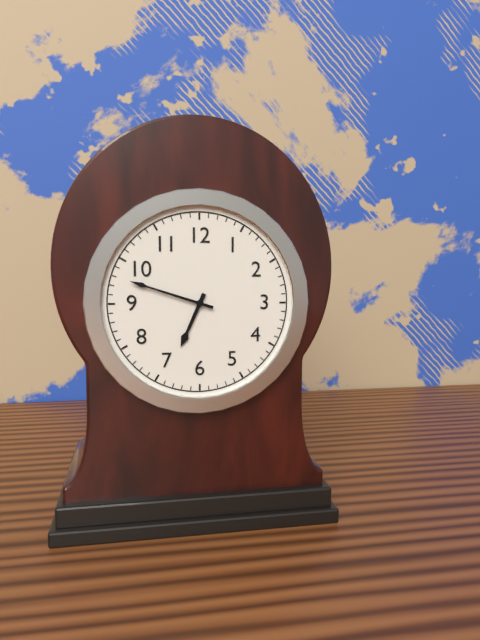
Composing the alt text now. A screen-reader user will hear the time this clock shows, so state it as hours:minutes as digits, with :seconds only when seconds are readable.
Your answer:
6:48
